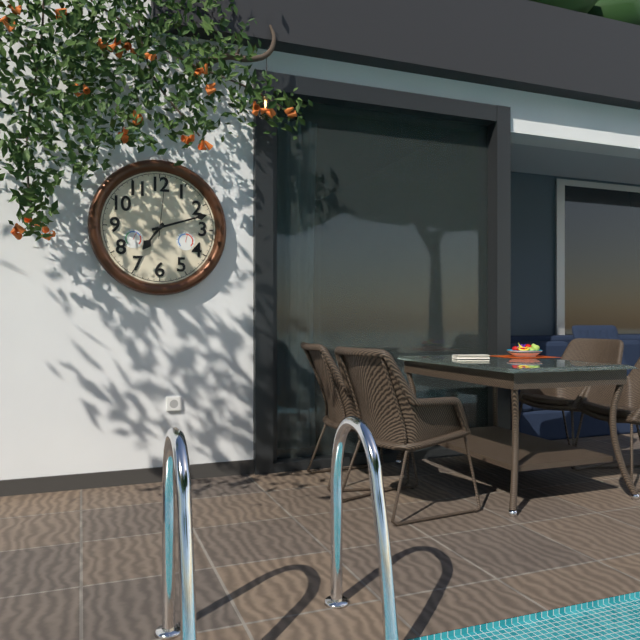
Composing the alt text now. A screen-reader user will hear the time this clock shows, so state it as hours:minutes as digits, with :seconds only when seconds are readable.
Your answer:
7:12:01
